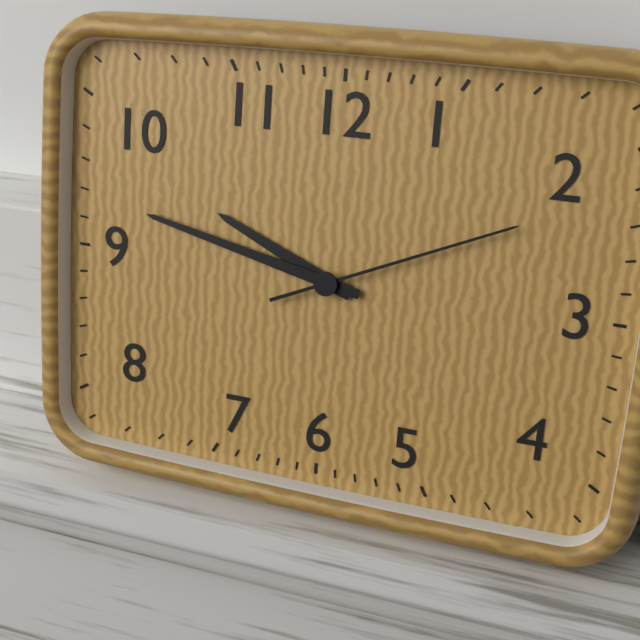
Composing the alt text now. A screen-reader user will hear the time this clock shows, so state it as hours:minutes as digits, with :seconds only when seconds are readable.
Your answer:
9:47:11
